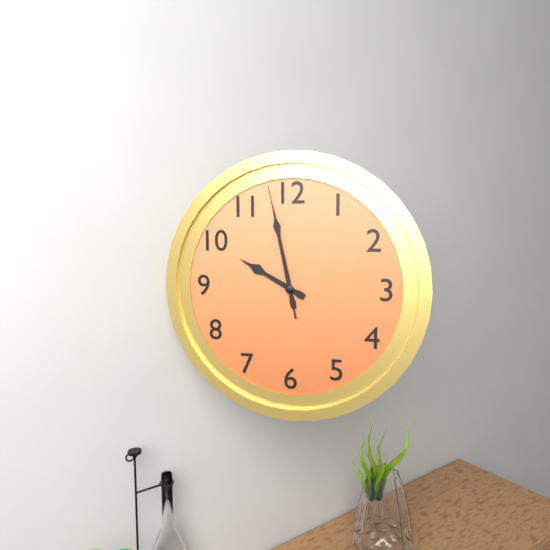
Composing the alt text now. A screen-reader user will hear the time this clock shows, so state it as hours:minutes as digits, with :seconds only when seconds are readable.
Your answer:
9:58:58
